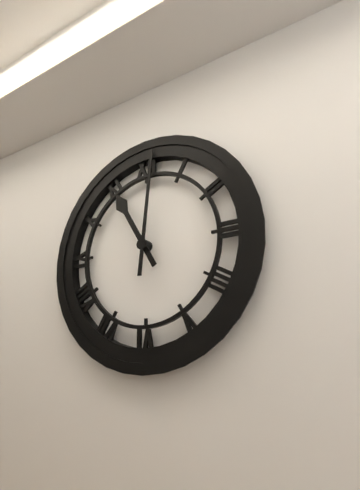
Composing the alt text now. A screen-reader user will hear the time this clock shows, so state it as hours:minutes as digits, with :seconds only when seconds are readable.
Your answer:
11:01
